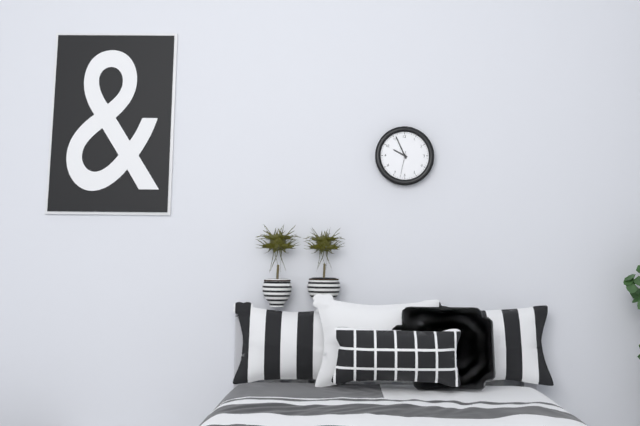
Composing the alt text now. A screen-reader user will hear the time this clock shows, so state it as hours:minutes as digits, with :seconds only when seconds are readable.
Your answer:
9:56
